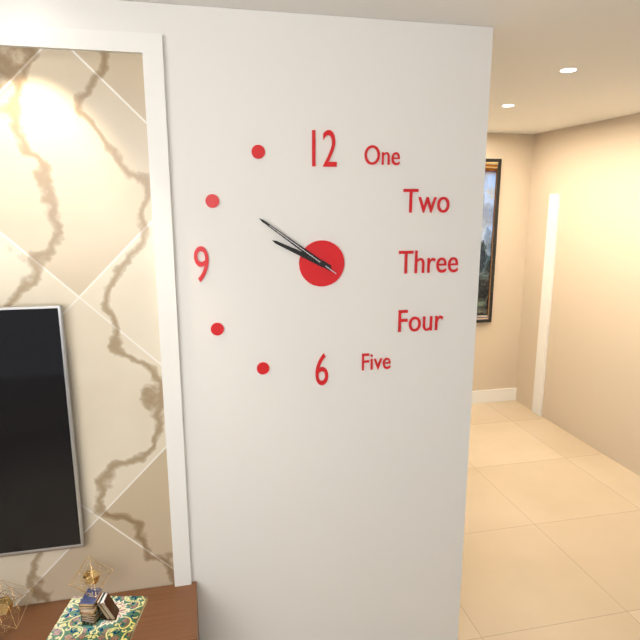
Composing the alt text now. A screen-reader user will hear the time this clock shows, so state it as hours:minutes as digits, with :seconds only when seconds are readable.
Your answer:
9:51:51
